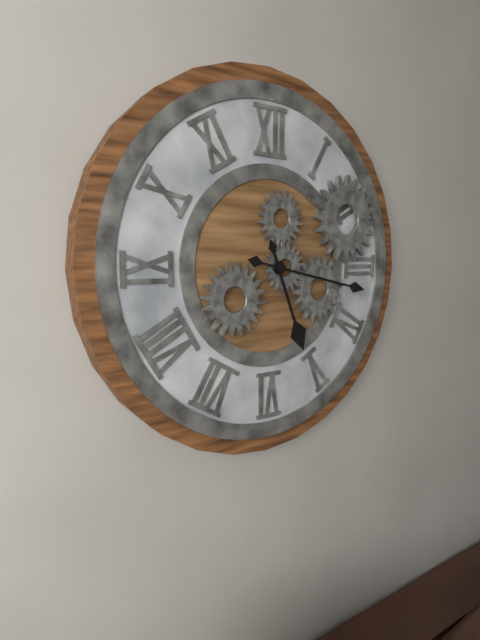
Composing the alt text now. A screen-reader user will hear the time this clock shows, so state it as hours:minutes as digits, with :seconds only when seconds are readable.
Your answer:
5:17
